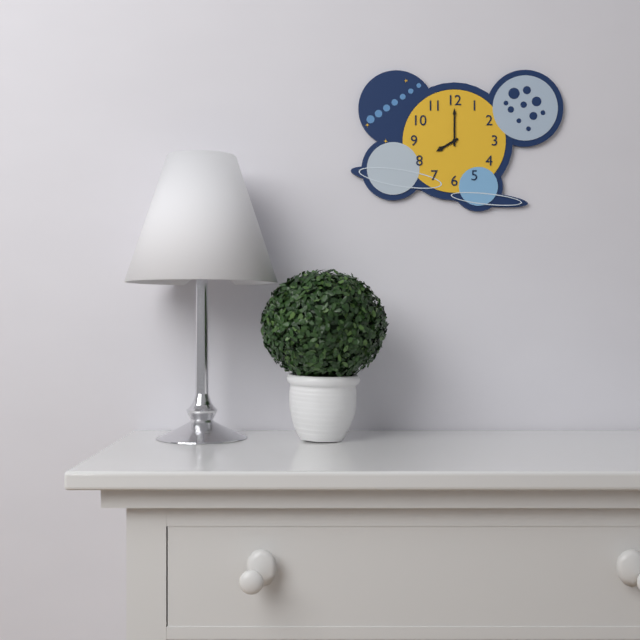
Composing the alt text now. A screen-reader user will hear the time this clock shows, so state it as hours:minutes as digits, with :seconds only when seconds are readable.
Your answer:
8:00
